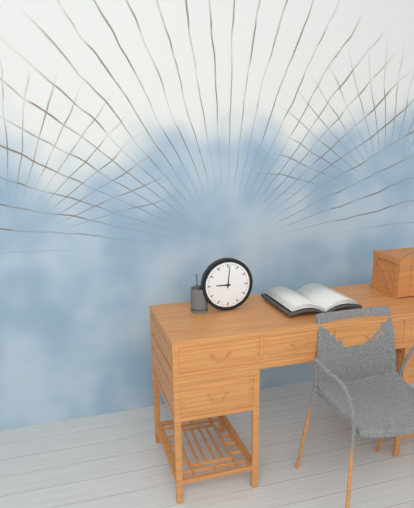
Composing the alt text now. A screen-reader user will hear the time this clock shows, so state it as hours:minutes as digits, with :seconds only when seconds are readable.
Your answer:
9:01
